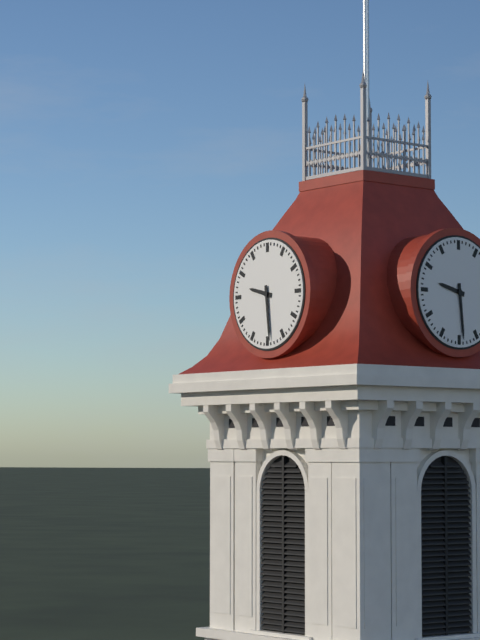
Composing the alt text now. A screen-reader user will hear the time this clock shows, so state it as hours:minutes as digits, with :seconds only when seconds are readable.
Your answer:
9:29
